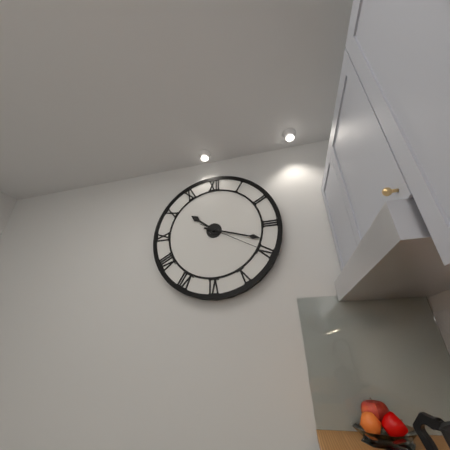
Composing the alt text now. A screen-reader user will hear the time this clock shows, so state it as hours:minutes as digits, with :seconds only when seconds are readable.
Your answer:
10:18:20
